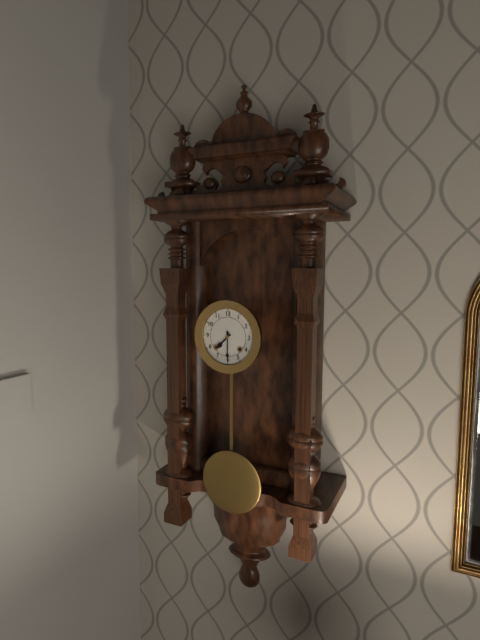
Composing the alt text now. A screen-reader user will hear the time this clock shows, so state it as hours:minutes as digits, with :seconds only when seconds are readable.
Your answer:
7:30
